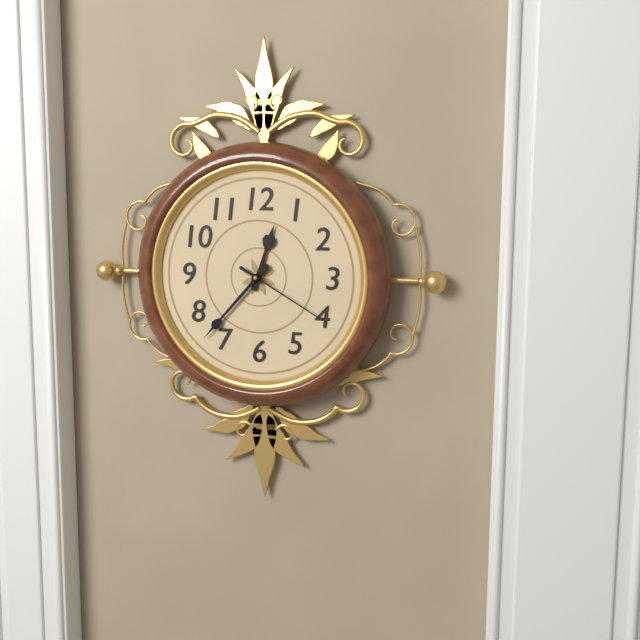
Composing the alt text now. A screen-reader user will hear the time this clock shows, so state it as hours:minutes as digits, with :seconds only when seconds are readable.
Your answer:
12:37:20
